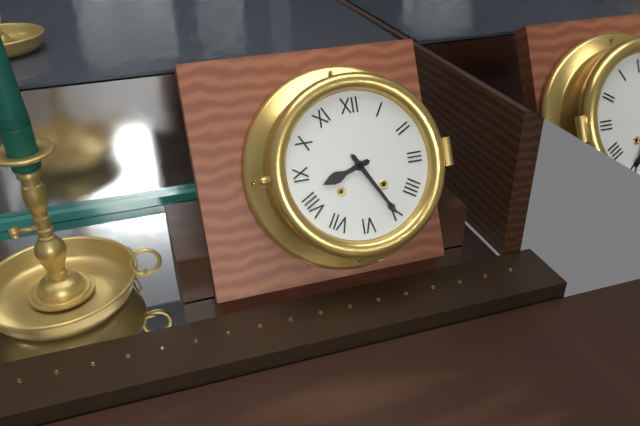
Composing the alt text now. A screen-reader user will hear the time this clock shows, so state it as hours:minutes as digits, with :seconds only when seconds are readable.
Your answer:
8:25
